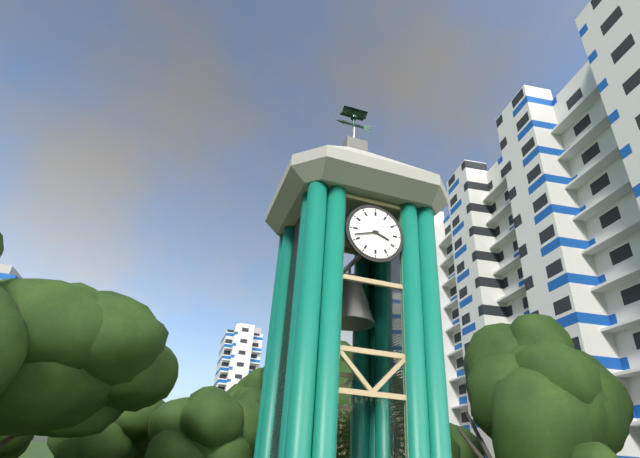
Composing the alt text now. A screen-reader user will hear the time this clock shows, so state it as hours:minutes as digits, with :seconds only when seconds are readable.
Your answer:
3:42
